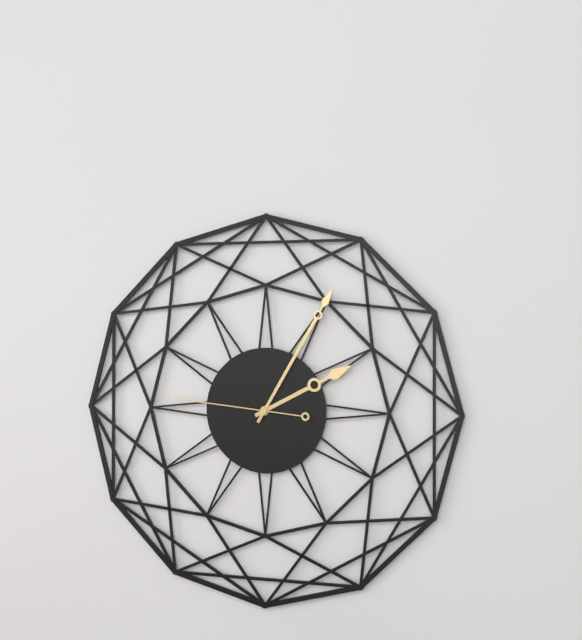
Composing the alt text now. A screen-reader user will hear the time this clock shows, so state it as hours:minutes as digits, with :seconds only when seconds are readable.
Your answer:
2:05:46
